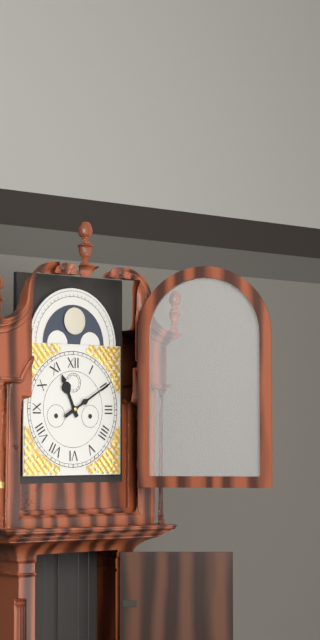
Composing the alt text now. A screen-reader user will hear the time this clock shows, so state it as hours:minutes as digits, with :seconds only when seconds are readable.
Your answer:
11:10
